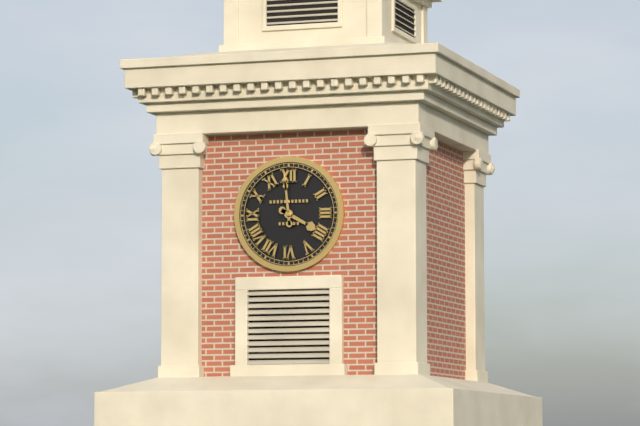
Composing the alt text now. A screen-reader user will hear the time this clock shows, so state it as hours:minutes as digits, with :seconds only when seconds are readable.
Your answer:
3:59
